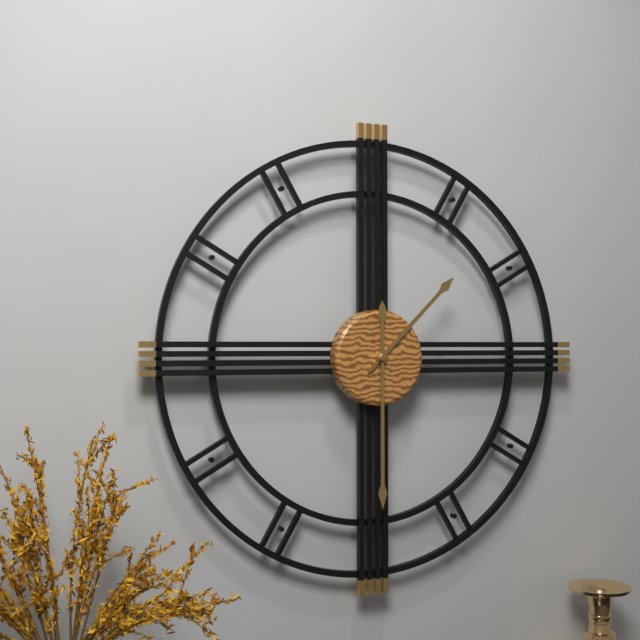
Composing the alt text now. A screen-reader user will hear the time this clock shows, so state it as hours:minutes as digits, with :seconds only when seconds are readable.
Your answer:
1:30
